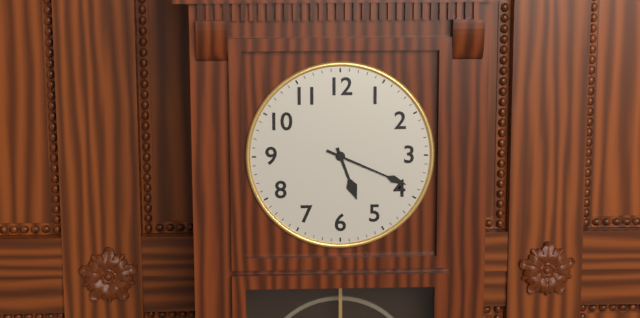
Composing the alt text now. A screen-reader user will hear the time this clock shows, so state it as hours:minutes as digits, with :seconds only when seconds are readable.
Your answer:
5:19
